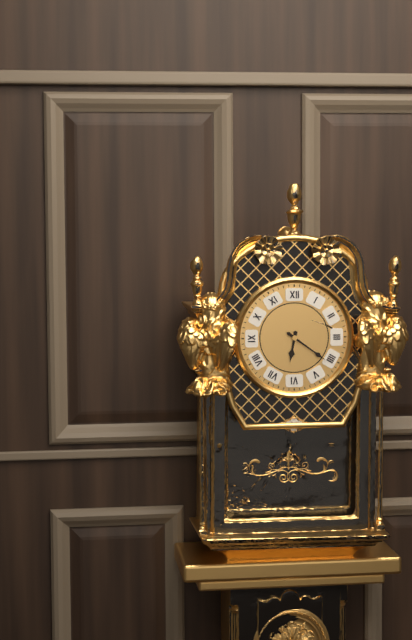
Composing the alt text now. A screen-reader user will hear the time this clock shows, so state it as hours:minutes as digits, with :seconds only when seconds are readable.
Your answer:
6:21
